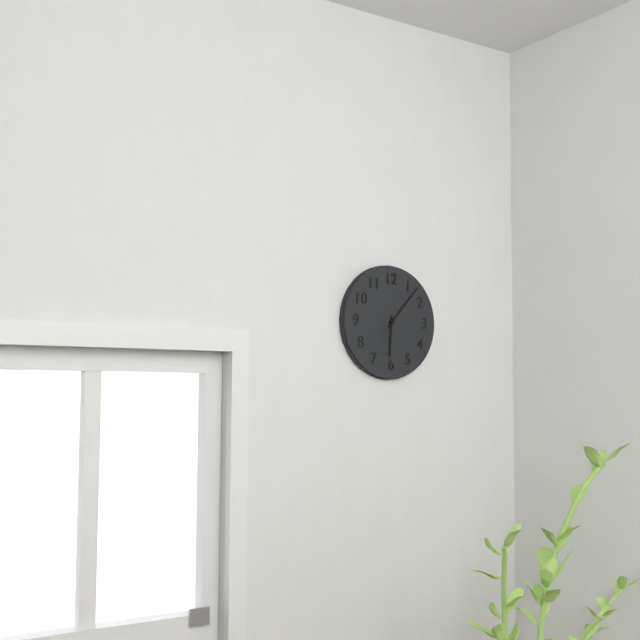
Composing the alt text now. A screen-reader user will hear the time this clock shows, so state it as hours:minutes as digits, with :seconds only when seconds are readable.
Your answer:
6:07
